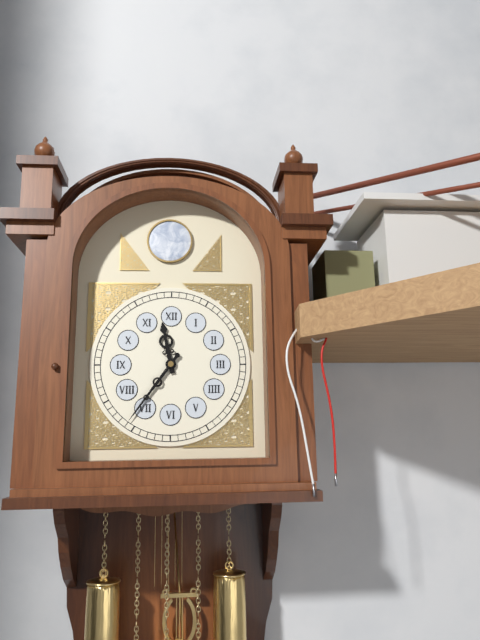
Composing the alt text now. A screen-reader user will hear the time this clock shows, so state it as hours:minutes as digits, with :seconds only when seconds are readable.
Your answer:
11:36
